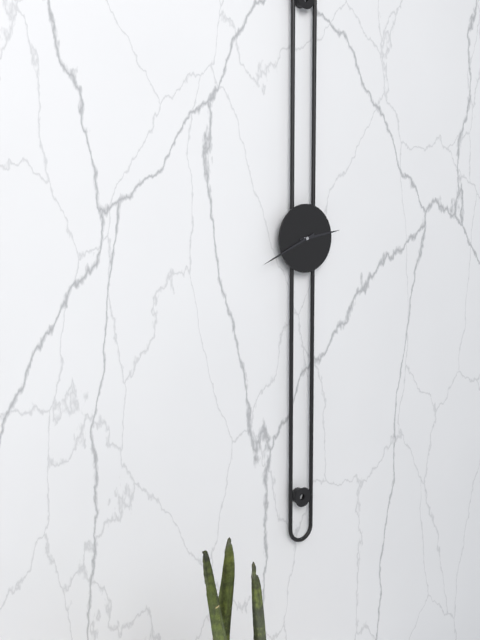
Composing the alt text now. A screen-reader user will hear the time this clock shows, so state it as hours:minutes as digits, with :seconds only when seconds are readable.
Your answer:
2:41
